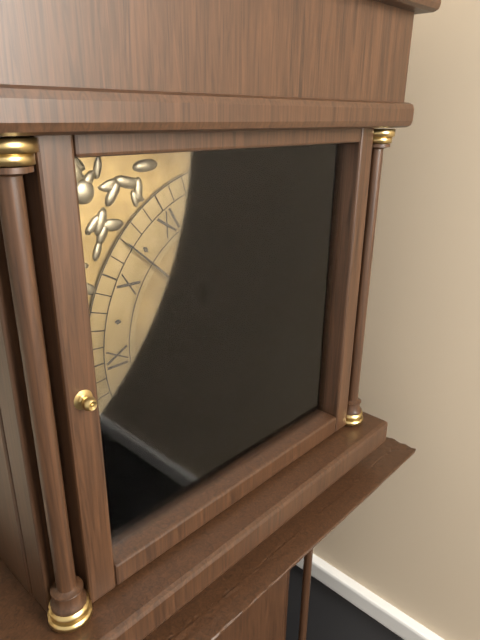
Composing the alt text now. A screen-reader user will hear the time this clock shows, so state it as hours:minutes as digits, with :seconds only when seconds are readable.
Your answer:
6:52
